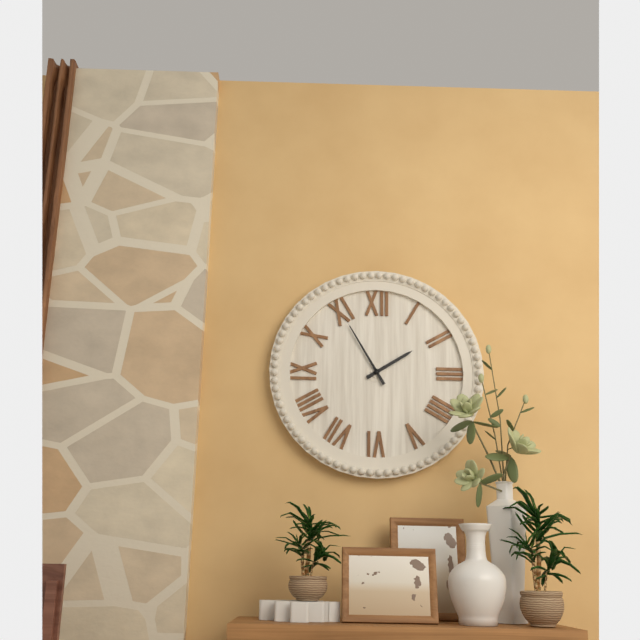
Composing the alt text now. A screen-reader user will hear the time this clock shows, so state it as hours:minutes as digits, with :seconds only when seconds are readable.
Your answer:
1:55
